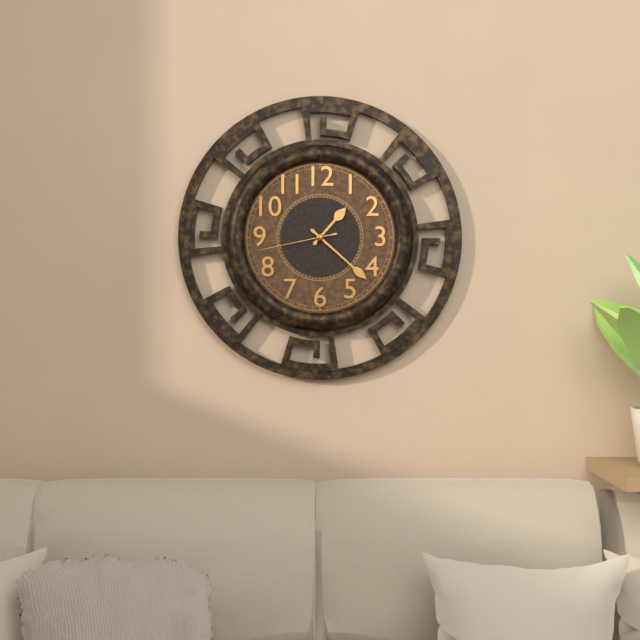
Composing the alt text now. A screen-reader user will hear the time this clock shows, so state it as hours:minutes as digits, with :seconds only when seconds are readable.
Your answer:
1:22:43
